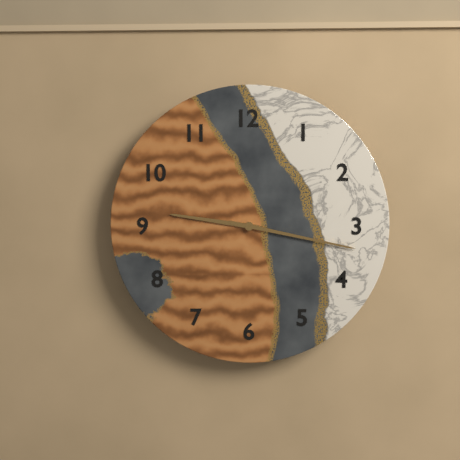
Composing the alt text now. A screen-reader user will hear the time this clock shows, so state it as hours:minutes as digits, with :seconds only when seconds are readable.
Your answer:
9:17
